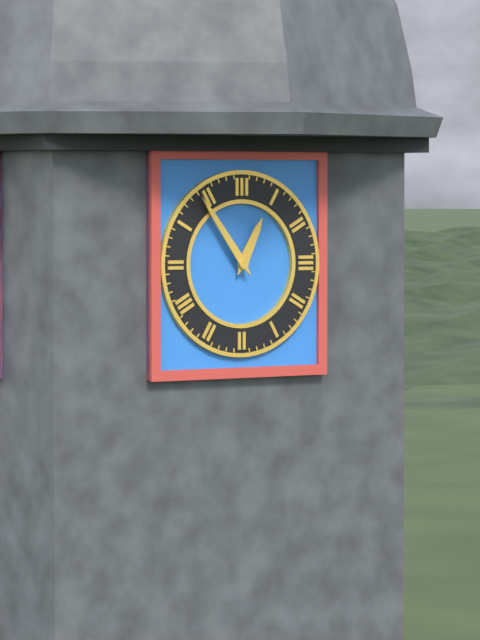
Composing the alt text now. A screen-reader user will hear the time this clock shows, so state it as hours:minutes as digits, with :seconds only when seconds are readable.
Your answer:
12:54
